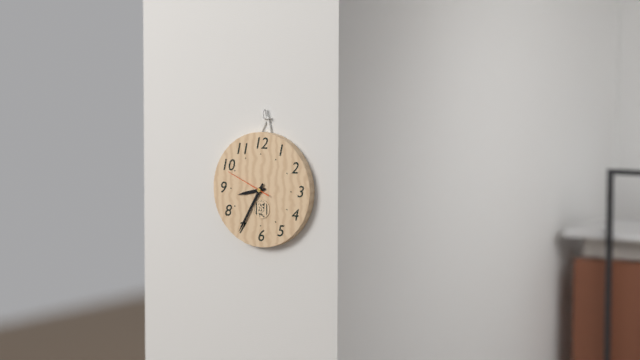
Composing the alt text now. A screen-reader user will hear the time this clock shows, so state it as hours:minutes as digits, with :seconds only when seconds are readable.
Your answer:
8:35
